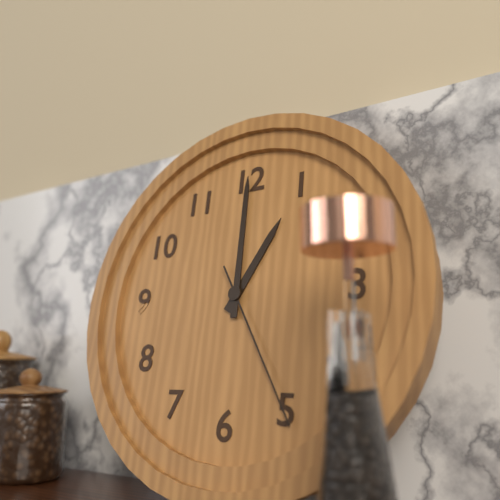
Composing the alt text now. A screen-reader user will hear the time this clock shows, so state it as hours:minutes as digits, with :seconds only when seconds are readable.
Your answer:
1:00:25
